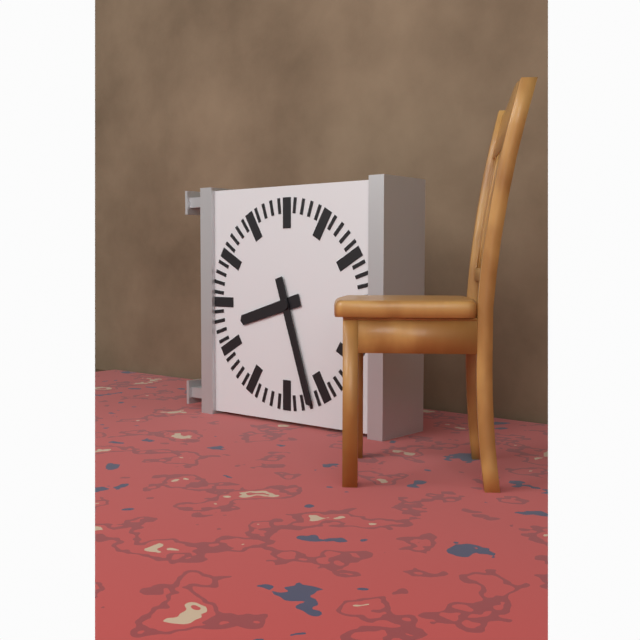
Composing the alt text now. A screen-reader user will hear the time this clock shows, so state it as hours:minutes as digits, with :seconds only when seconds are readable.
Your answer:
8:27
